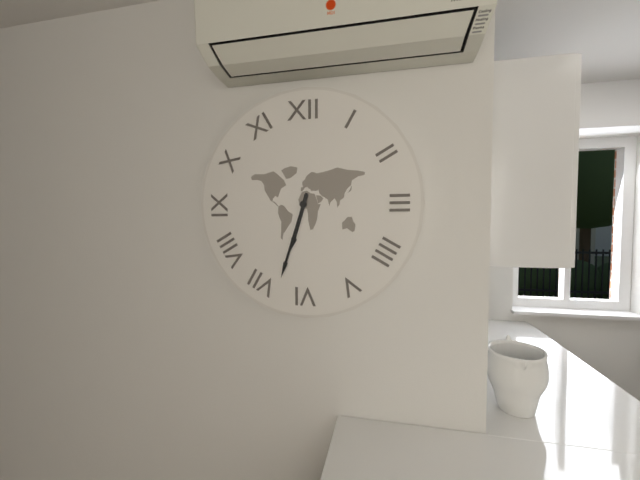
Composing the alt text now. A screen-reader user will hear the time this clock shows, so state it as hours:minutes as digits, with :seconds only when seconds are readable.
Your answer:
6:33
